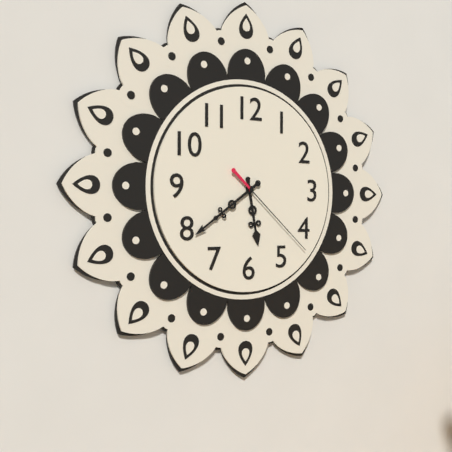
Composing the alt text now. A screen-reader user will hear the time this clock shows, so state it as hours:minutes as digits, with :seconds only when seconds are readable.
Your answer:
5:39:22
